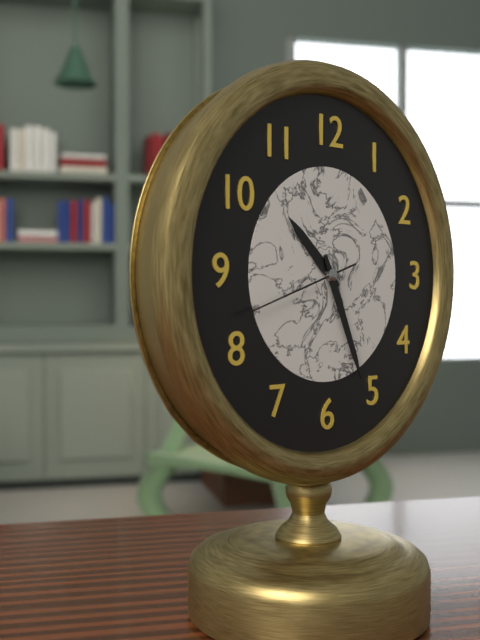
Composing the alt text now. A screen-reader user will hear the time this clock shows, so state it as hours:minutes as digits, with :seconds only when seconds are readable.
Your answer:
10:26:42
